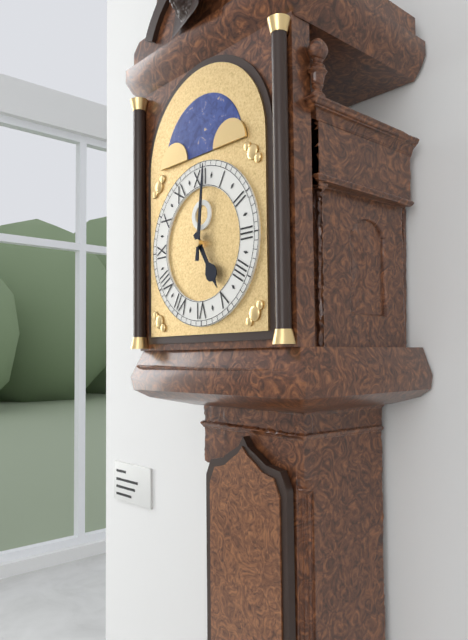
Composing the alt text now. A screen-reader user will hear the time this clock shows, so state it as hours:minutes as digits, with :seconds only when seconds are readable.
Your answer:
5:01
